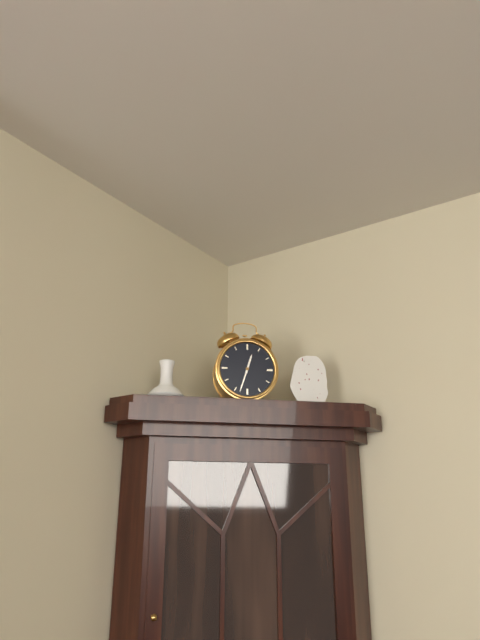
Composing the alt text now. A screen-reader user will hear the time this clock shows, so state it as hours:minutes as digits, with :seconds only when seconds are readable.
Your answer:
12:33
